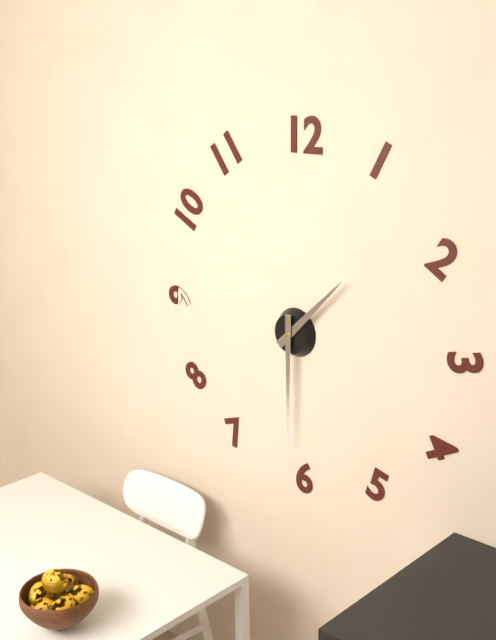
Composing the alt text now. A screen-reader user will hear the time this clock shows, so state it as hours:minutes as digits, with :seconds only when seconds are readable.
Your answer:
1:30
